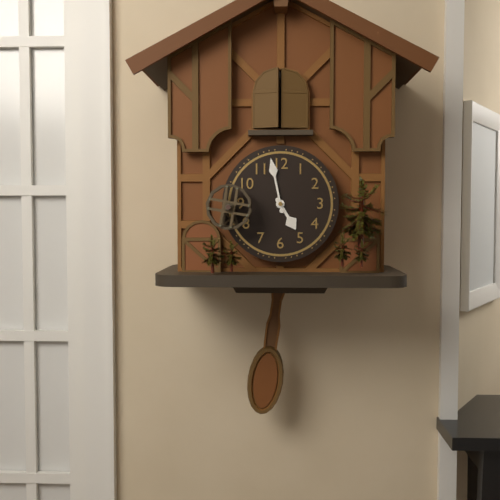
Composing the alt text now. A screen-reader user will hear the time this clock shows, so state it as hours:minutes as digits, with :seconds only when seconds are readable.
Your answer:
4:58
